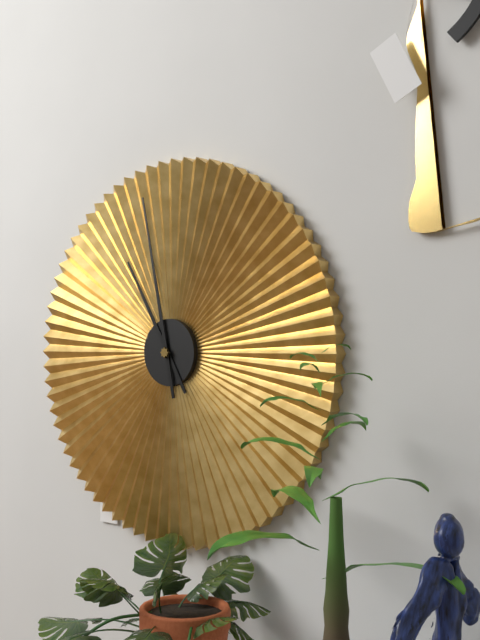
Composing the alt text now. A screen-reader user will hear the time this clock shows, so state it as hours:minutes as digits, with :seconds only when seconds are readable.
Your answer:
10:58
